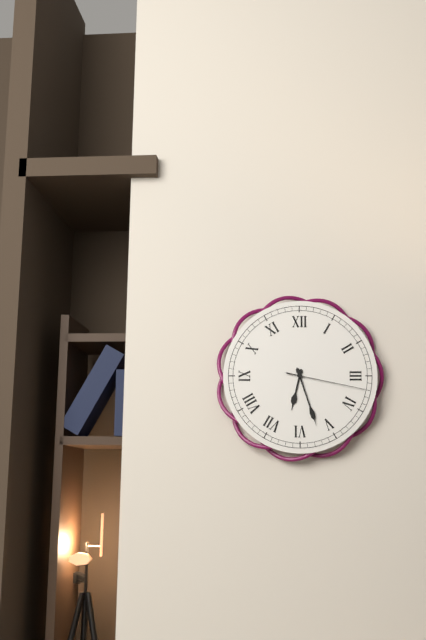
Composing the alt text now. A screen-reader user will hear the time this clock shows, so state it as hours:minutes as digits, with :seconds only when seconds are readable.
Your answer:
6:27:17
